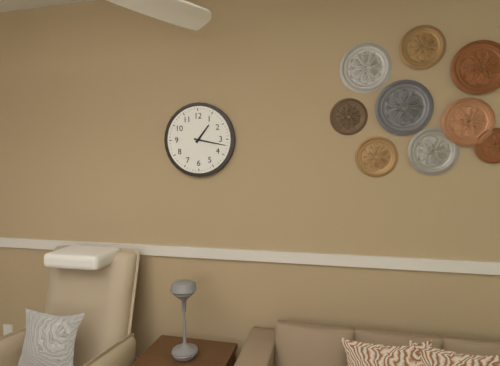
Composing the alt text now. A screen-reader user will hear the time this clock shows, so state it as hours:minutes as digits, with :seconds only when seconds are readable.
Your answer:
1:17
